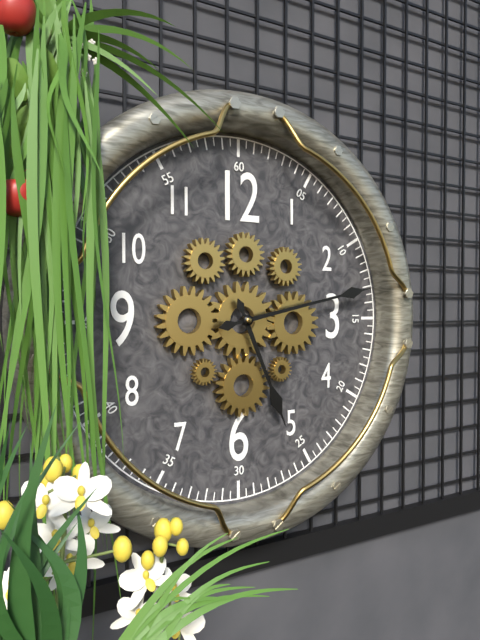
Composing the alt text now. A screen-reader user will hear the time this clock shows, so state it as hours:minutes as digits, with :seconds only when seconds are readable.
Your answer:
5:13
